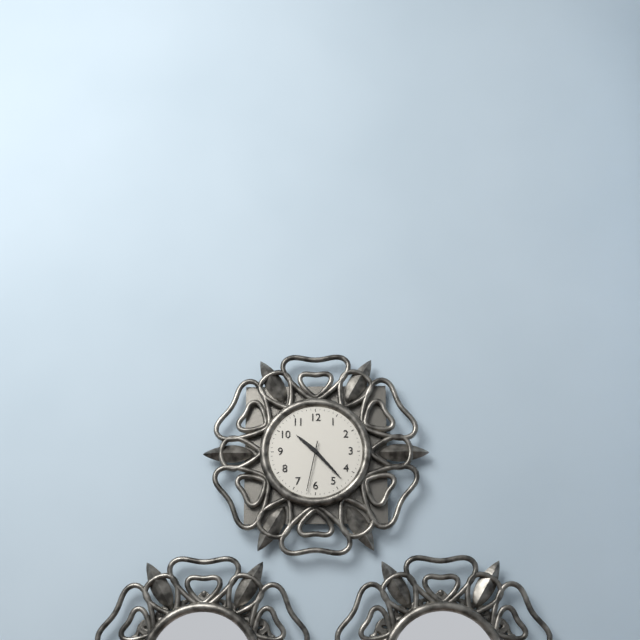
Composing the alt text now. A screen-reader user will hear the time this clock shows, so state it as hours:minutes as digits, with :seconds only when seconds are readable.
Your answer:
10:23:32
